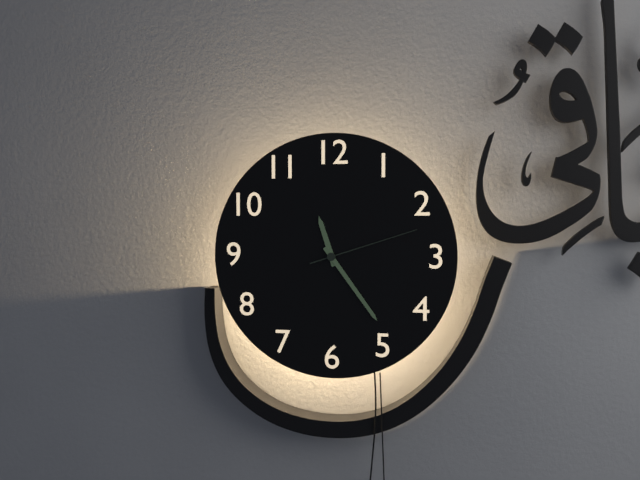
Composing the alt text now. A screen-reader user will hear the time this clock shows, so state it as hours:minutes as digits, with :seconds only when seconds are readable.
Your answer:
11:24:12
